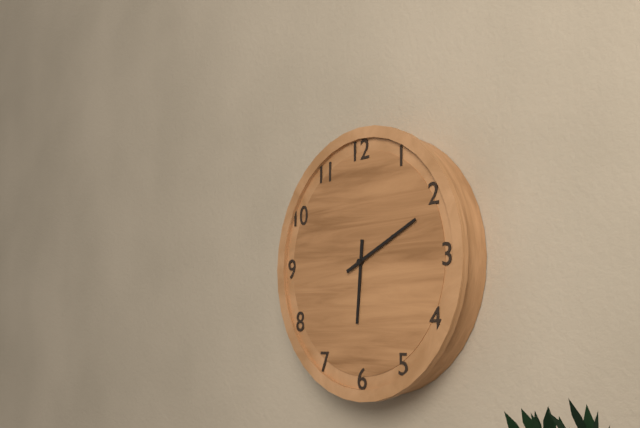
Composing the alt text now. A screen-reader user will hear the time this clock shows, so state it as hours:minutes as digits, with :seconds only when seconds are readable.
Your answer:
6:11
